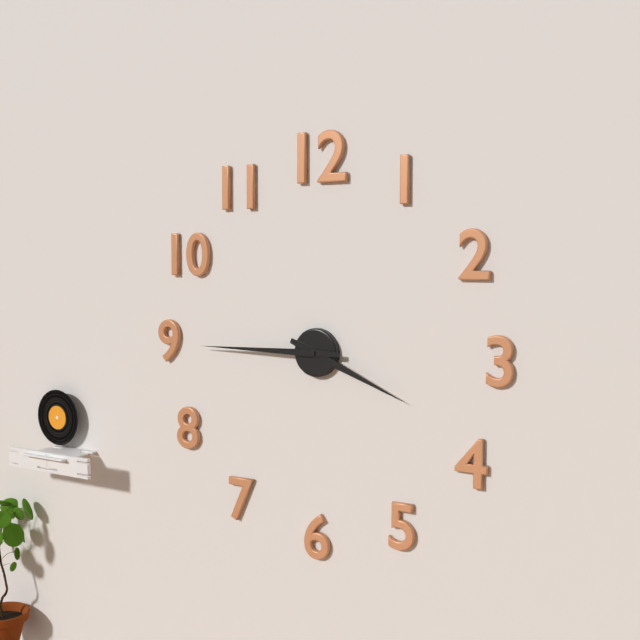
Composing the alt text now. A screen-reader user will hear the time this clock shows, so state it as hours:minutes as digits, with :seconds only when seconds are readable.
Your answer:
3:45
